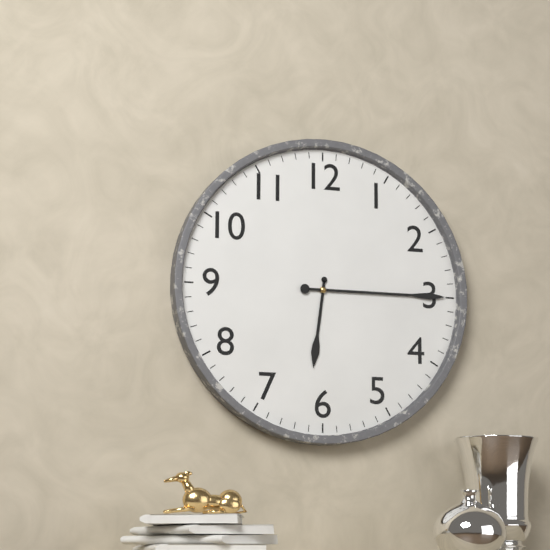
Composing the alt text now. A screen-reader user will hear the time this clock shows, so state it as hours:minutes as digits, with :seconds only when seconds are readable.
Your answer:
6:15
